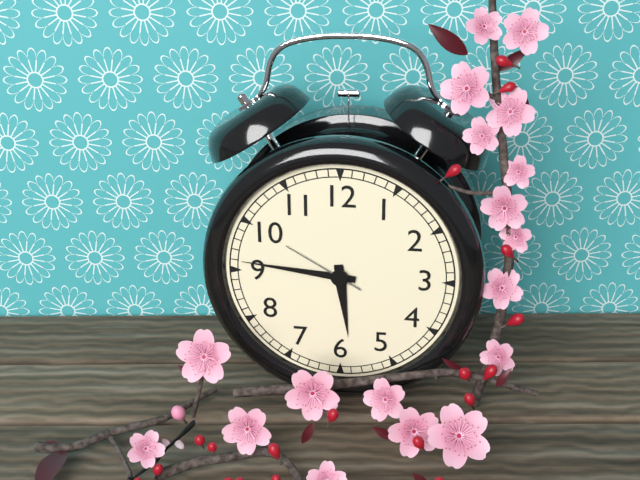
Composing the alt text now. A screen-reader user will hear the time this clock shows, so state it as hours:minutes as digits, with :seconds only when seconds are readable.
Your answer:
5:46:50
